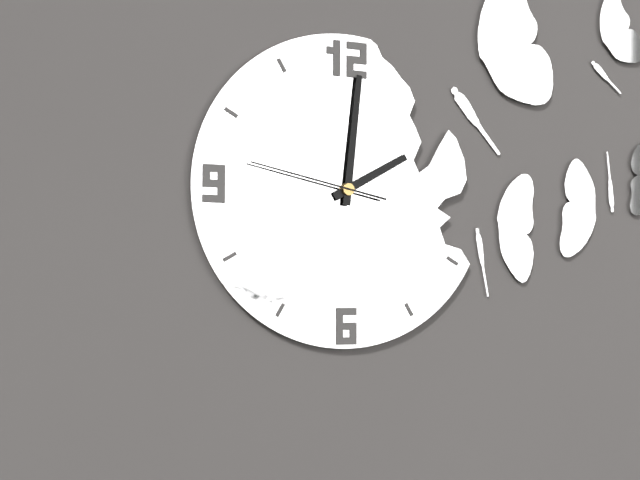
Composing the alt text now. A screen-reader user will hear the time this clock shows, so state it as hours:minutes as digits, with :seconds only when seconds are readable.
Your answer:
2:01:47
